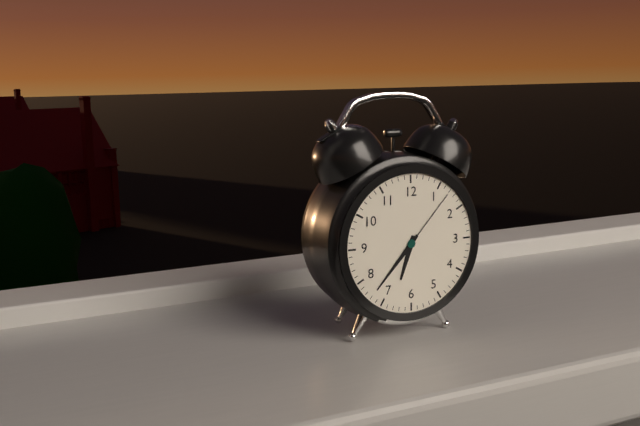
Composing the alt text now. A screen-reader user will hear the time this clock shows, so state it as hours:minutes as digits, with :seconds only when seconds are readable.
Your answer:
6:37:07
